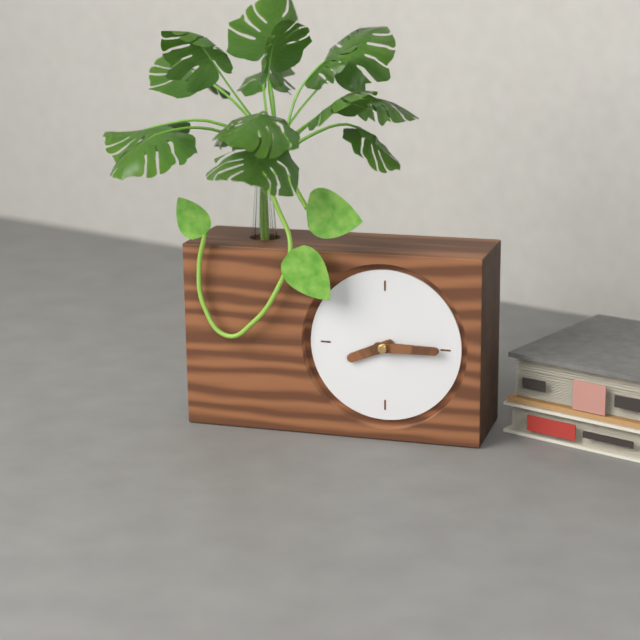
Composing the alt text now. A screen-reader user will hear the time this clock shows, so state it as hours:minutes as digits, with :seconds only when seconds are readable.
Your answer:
8:15
